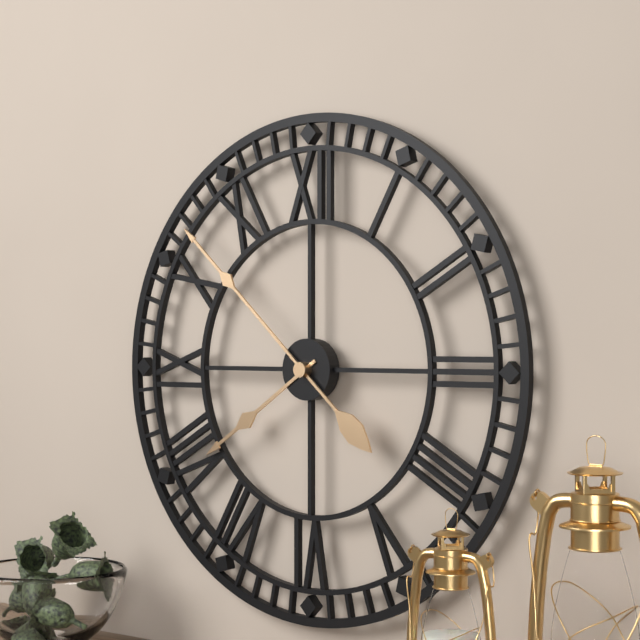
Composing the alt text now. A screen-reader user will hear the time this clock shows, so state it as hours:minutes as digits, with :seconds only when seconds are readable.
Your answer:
7:52
